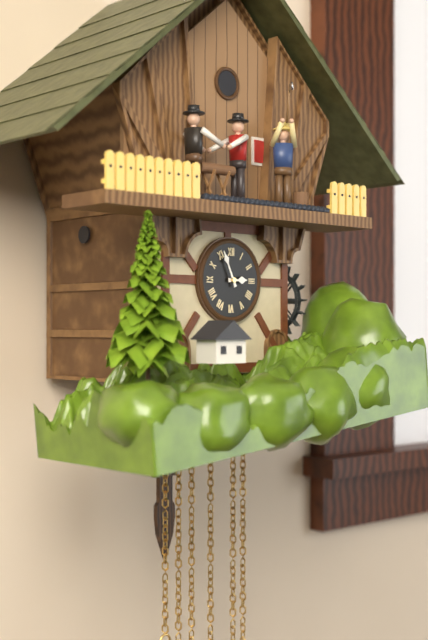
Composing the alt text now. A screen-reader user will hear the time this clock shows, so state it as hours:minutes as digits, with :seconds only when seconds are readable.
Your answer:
2:56
